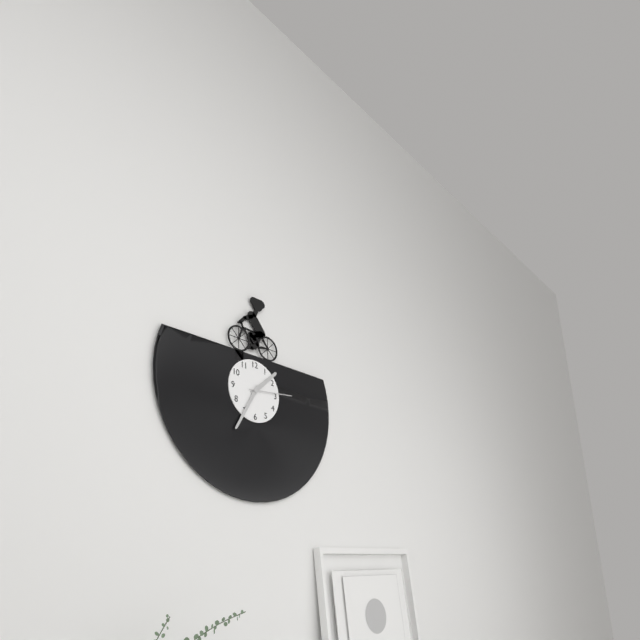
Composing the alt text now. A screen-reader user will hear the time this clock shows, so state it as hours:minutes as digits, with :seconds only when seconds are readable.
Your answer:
1:35:14
